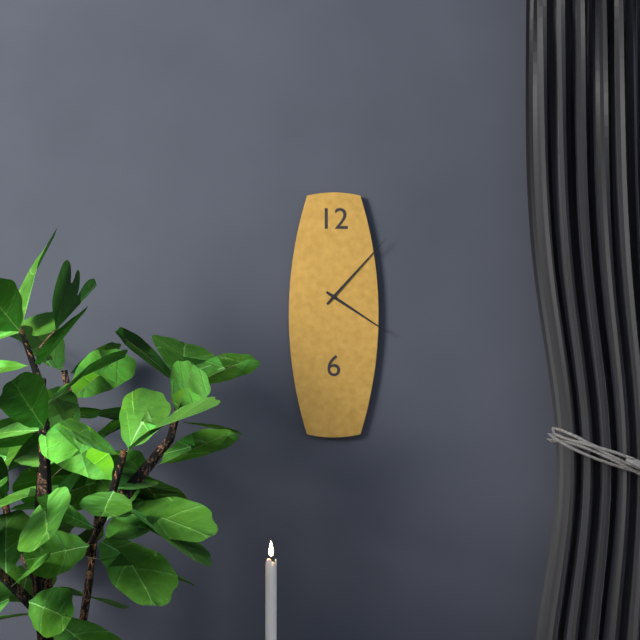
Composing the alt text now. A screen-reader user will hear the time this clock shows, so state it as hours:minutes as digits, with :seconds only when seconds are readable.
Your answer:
4:07
